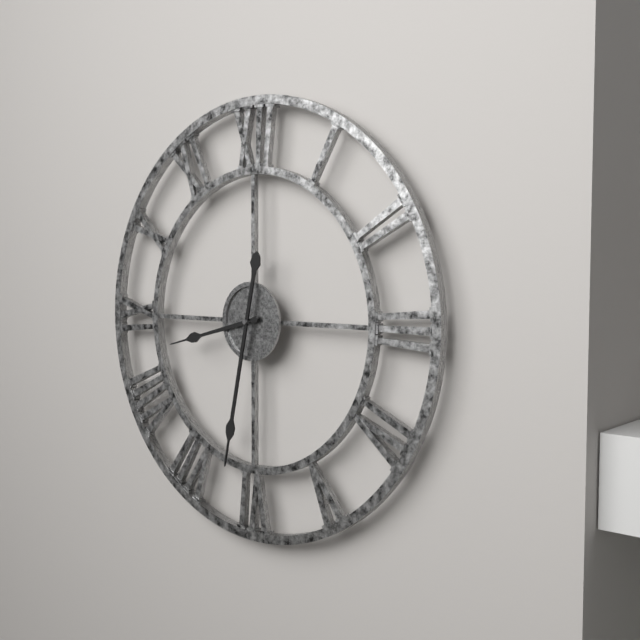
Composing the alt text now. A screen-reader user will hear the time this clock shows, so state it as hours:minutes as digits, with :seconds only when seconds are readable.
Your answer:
8:32
